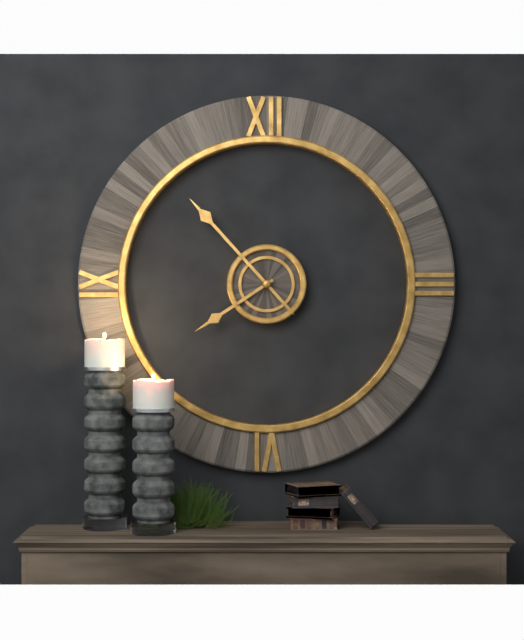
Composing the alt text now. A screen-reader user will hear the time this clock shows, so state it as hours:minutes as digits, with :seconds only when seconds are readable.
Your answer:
7:53
